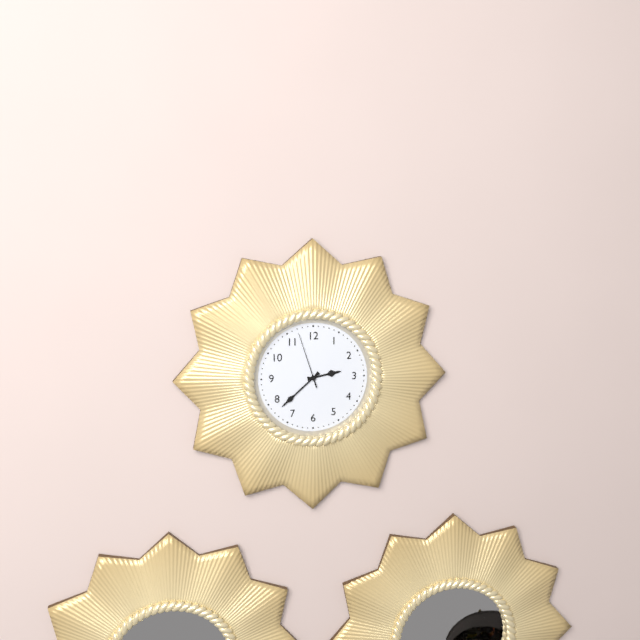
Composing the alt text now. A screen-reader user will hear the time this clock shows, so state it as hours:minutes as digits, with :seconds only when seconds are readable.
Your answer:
2:38:57
